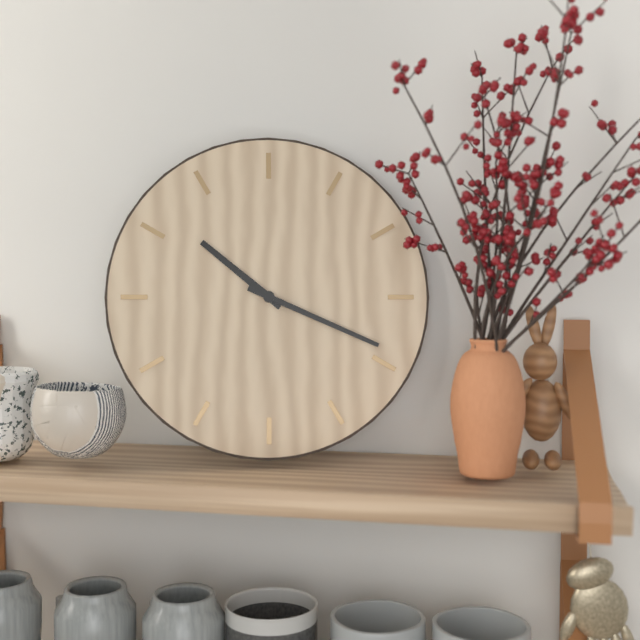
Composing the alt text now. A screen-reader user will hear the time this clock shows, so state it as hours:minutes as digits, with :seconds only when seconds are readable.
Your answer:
10:19
